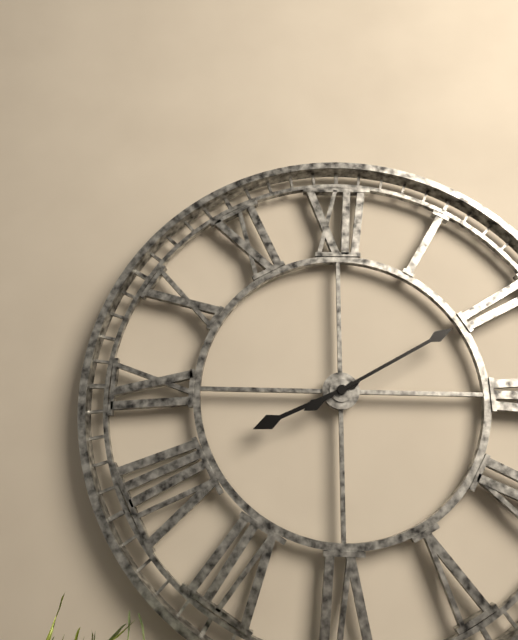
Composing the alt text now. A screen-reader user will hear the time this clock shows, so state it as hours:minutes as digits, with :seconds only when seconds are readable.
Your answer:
8:10
